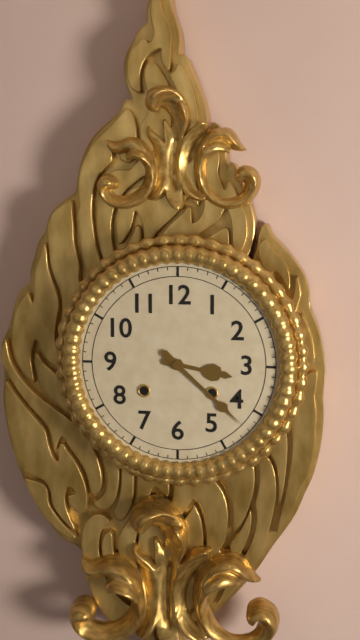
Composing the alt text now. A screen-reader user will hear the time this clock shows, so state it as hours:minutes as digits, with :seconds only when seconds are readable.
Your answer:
3:22
